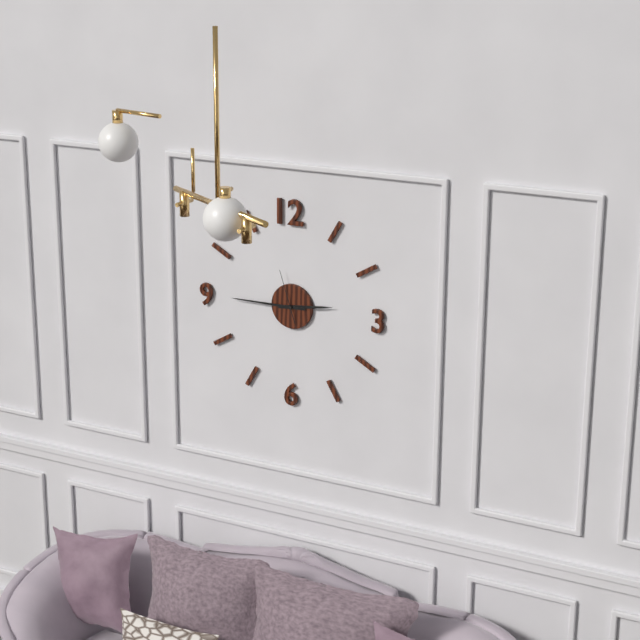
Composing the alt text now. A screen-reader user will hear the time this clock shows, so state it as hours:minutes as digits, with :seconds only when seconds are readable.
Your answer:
2:45
